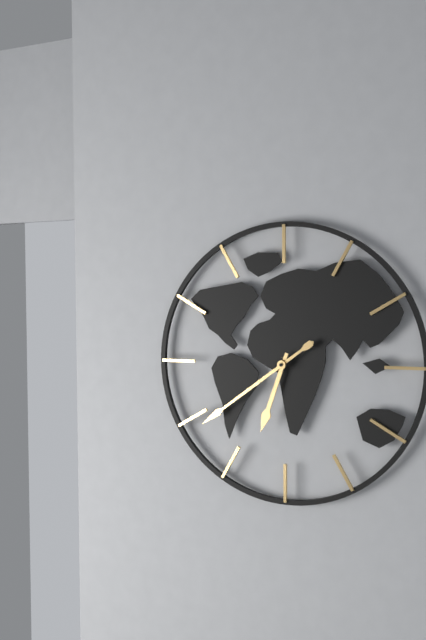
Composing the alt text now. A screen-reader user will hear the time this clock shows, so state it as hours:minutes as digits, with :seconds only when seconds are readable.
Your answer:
6:39
